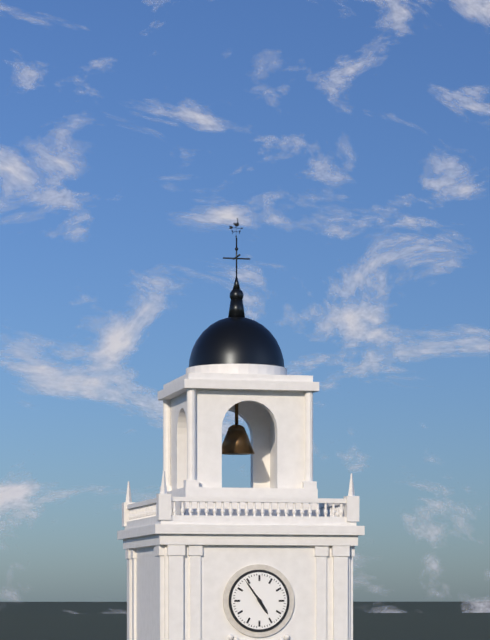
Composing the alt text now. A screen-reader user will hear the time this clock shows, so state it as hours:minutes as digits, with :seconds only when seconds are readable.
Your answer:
4:54
